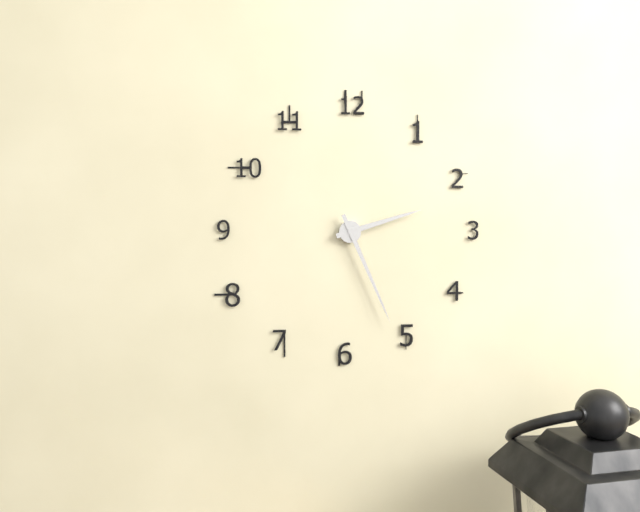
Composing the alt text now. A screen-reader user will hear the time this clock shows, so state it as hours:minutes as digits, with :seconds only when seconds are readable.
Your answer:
2:26
